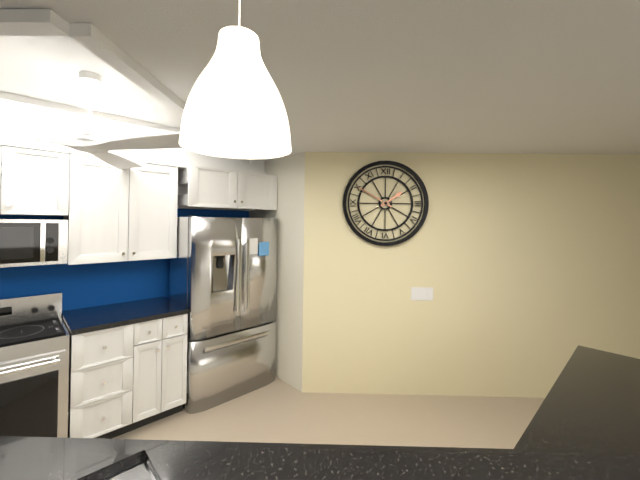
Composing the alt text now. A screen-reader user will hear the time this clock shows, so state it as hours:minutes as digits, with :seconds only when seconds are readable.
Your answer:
1:50
